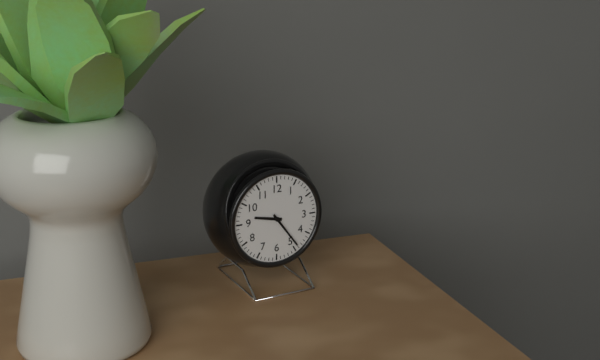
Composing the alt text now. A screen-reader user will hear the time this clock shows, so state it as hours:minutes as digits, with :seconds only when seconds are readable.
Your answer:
9:24
